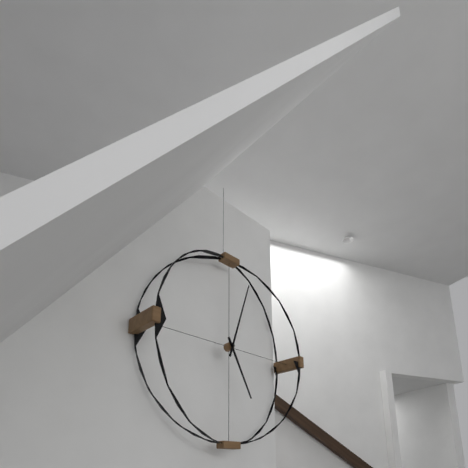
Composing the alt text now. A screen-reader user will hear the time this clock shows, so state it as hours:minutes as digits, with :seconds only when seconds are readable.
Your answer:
5:03
